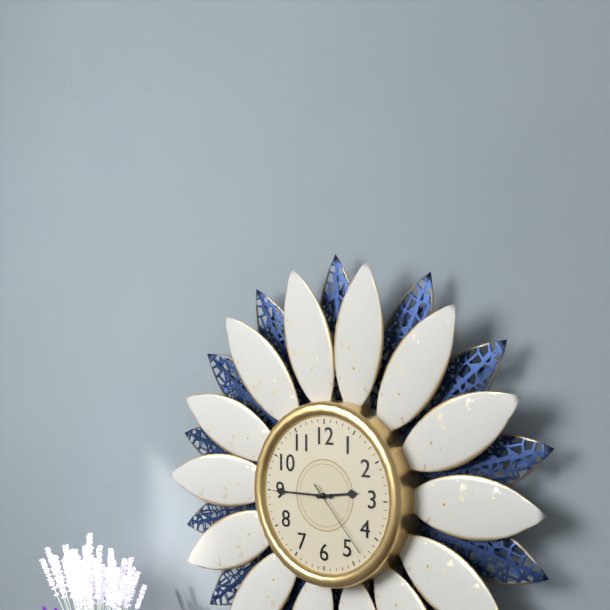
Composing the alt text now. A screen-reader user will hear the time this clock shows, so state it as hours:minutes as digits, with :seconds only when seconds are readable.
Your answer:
2:45:23
